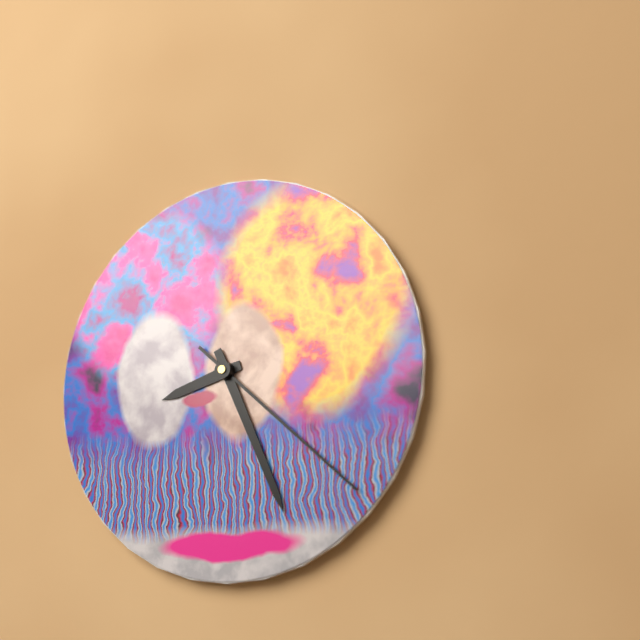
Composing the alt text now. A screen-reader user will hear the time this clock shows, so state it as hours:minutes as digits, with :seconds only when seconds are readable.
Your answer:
8:26:22
